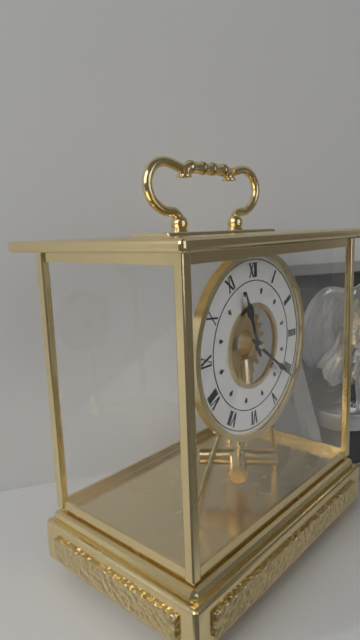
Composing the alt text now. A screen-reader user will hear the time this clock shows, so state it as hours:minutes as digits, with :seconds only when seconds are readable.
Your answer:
11:21
